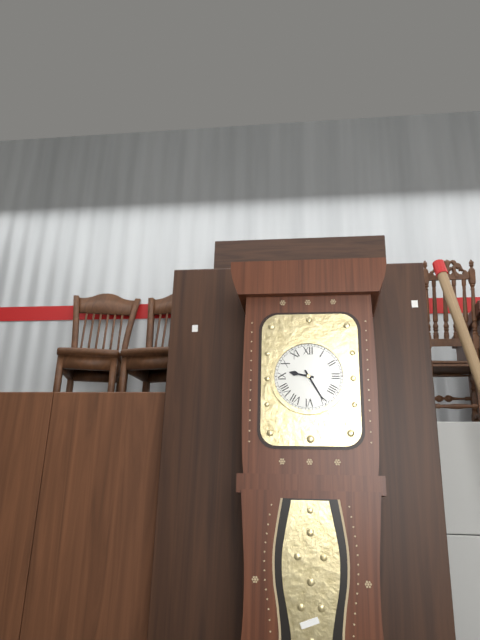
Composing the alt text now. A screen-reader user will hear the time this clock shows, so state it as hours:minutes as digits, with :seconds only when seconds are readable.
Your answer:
9:25
